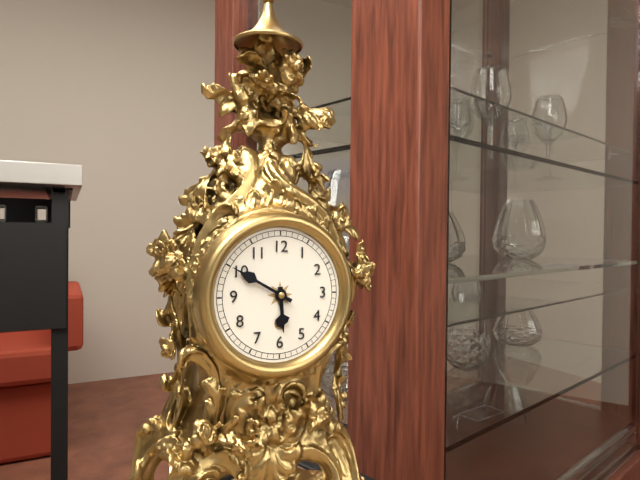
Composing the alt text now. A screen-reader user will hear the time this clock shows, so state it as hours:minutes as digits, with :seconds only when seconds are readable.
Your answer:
5:50
